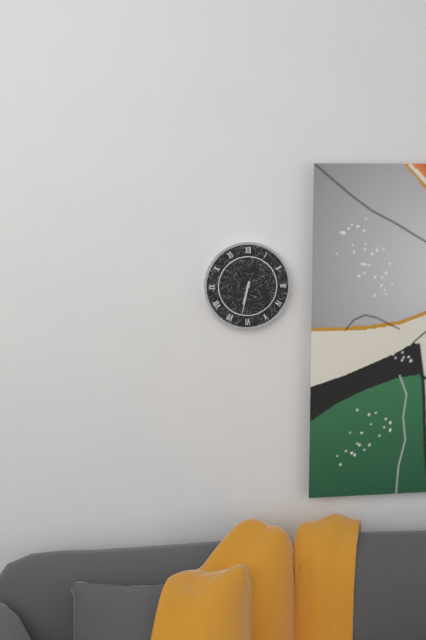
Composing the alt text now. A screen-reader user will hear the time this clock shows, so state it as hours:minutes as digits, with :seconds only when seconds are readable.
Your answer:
6:32
